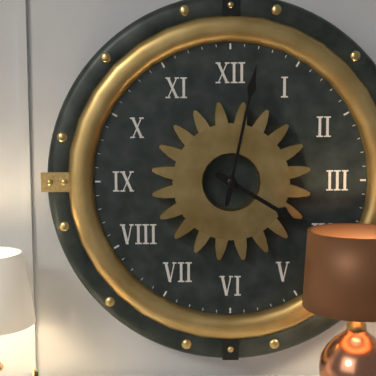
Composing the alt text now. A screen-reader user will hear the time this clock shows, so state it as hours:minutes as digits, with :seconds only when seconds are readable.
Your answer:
4:02
